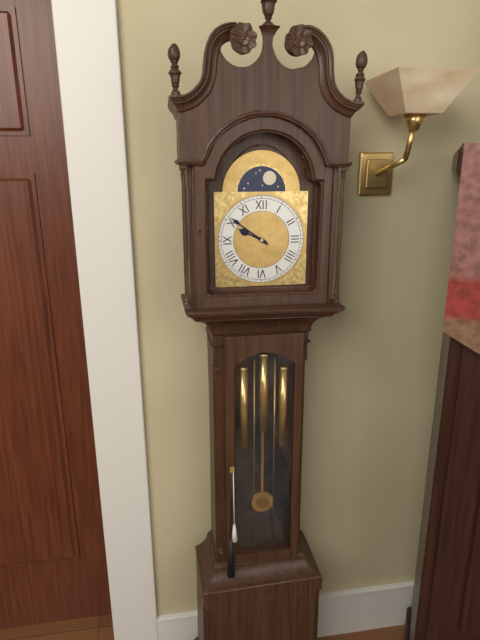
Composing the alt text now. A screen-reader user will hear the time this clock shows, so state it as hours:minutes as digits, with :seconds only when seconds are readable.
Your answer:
9:51
